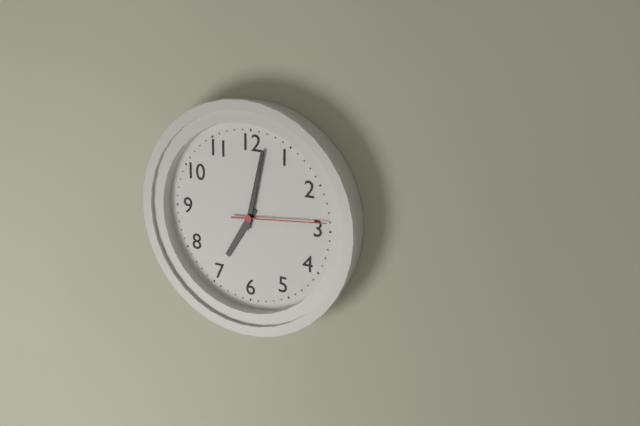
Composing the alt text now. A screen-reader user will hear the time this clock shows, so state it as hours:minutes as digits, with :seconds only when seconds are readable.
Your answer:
7:02:14
